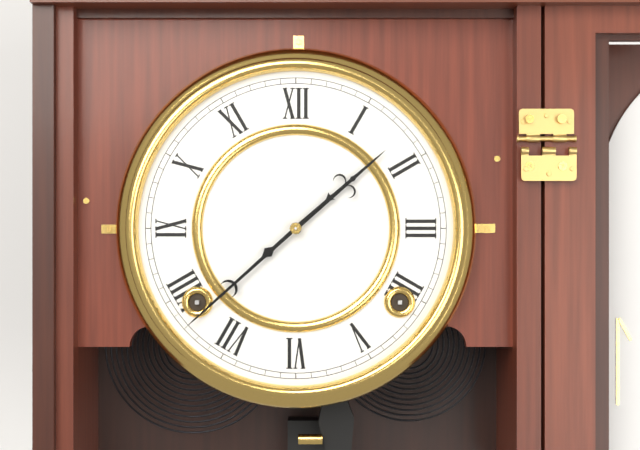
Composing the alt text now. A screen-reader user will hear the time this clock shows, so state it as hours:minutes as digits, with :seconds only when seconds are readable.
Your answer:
1:38
